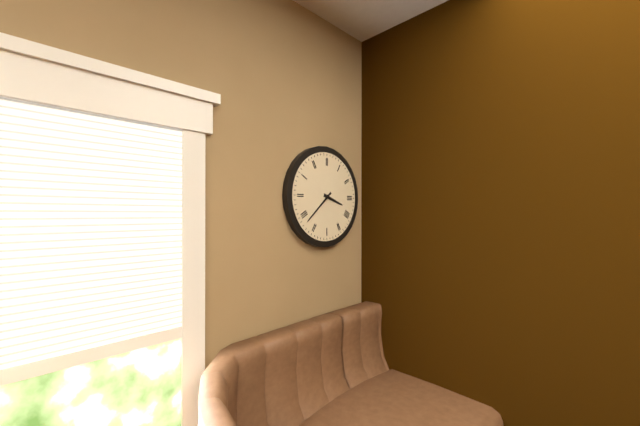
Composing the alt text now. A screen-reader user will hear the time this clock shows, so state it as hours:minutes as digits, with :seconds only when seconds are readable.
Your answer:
3:38
